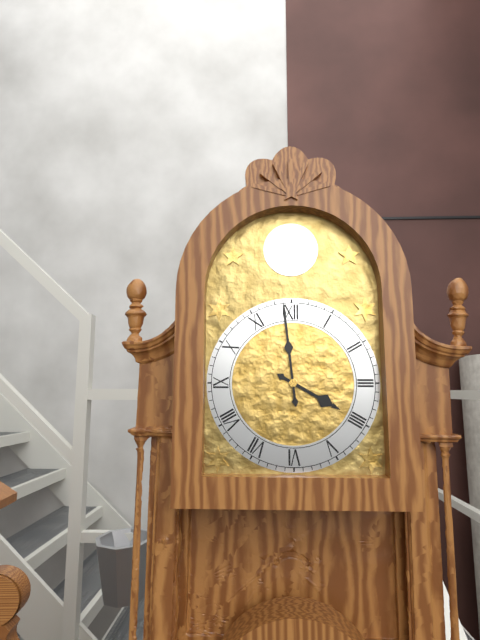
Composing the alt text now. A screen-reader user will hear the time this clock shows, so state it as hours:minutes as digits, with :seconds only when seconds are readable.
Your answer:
3:59
